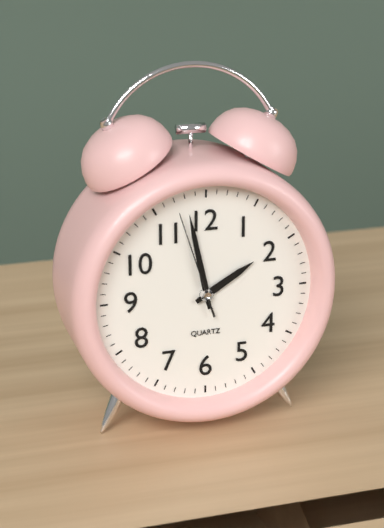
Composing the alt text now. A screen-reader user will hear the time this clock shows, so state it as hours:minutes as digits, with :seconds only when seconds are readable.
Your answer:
1:58:57
